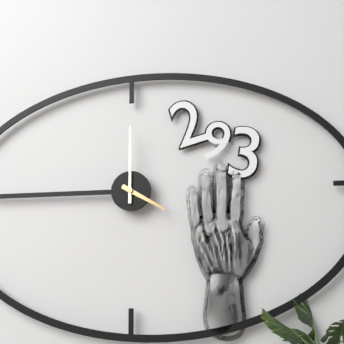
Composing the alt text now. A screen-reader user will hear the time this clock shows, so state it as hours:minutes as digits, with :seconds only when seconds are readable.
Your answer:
4:00
